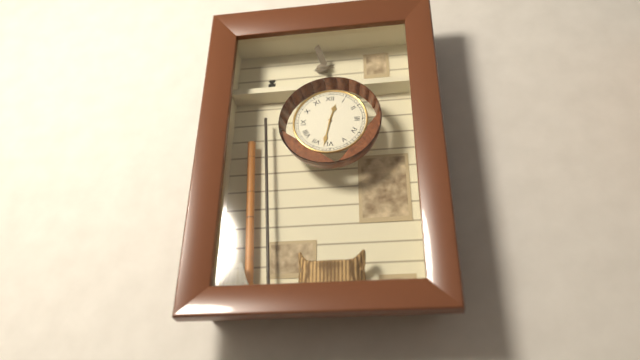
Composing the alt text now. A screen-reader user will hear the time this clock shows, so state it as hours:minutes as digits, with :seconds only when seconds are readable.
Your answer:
12:32
